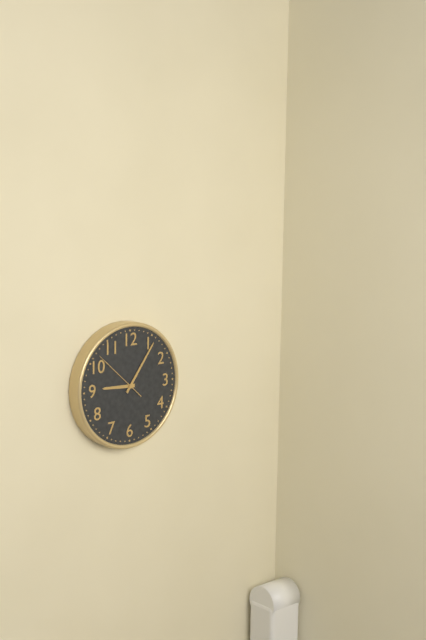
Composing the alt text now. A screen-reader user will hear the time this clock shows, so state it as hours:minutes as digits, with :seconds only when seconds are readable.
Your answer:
9:06:52
